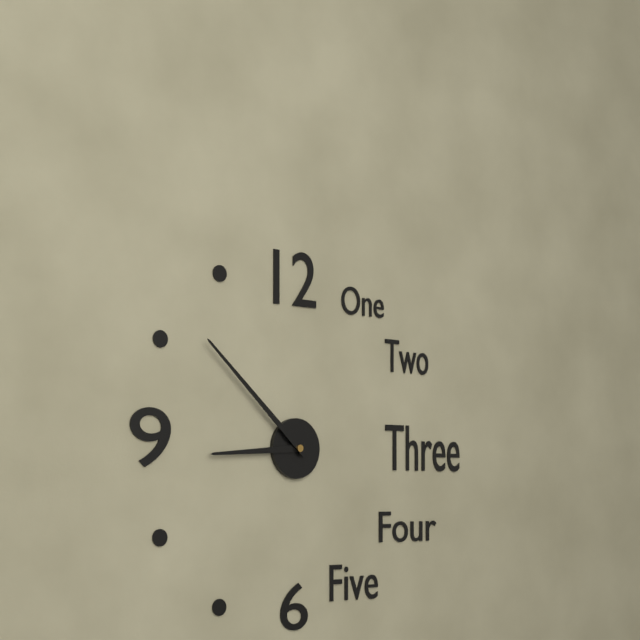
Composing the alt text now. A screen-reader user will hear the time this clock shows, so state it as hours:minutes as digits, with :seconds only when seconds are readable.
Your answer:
8:52
